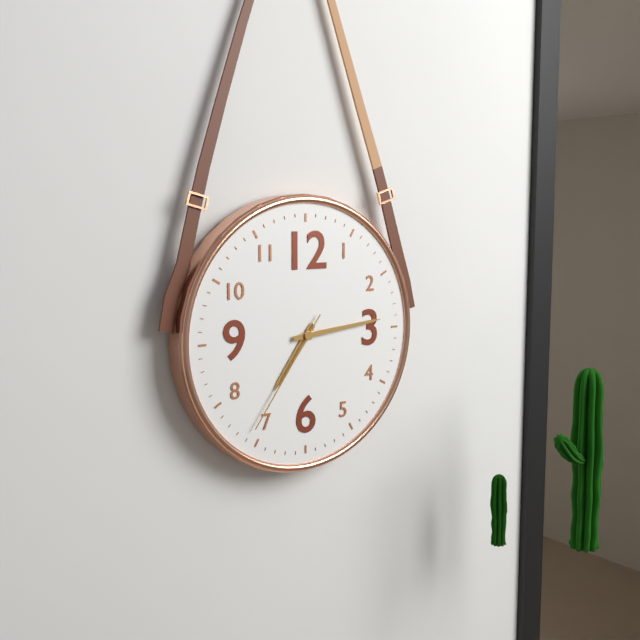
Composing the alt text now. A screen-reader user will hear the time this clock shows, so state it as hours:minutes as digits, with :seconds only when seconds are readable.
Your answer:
7:14:36
